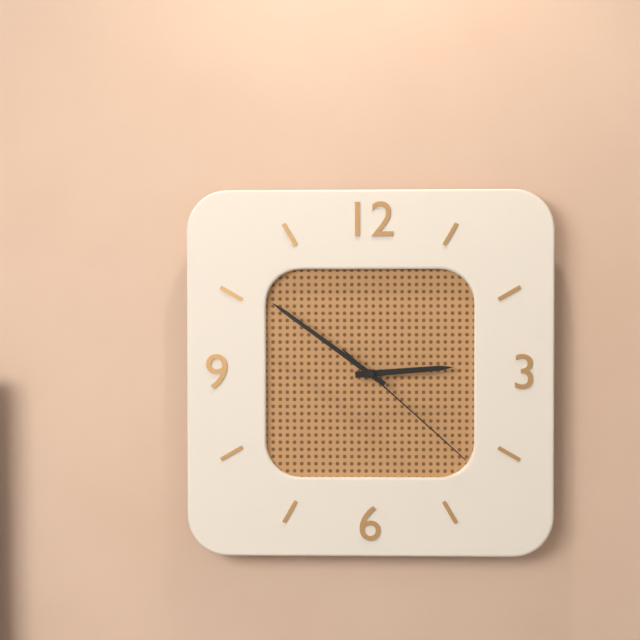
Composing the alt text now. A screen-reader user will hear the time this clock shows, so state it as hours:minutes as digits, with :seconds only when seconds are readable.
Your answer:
2:51:22
